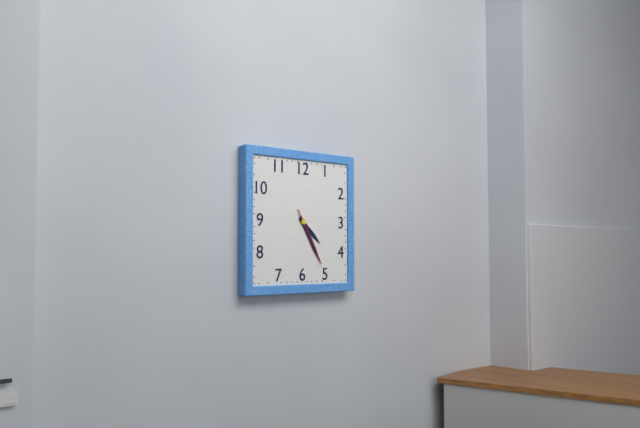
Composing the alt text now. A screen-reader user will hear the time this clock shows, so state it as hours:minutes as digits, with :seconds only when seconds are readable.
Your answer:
4:25:25
